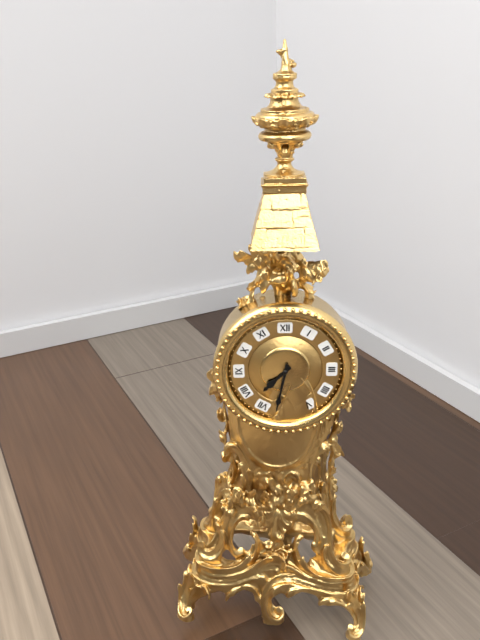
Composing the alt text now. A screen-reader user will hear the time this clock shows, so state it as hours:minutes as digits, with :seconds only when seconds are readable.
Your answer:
7:32
